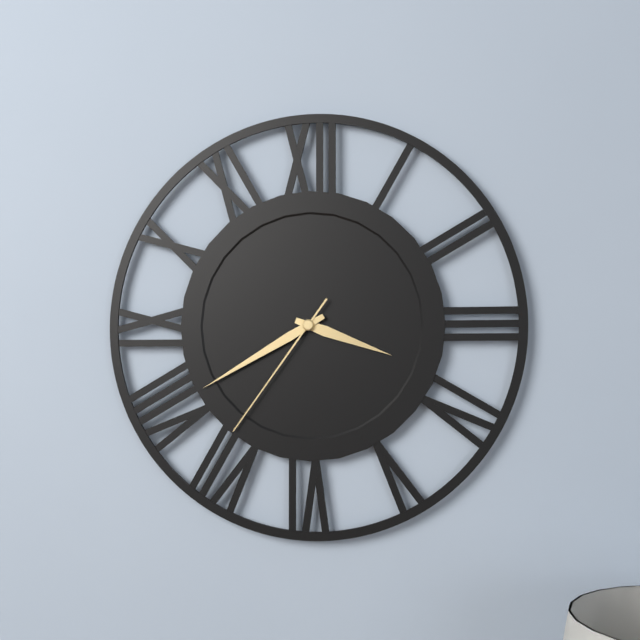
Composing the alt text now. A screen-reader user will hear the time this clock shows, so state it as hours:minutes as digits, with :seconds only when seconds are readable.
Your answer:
3:40:36
